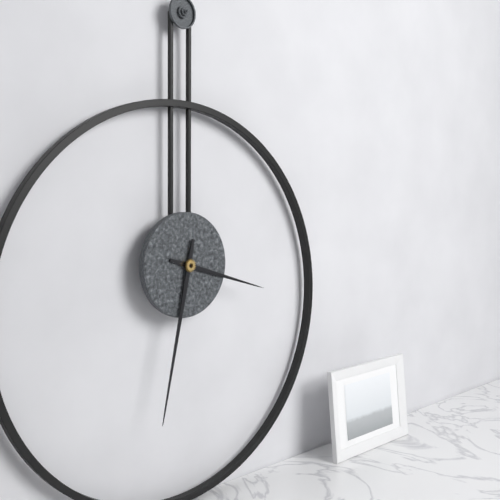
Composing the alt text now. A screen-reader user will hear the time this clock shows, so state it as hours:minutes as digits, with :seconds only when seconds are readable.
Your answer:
3:32
